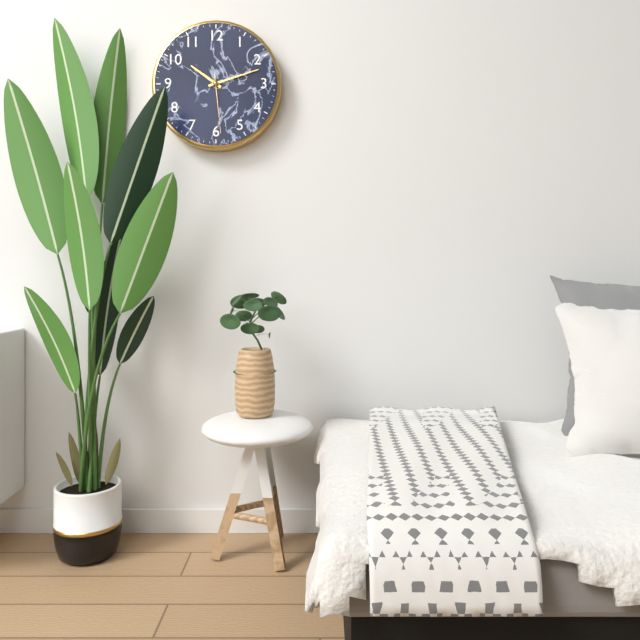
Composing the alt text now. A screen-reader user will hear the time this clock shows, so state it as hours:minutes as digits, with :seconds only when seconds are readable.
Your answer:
10:12:29
